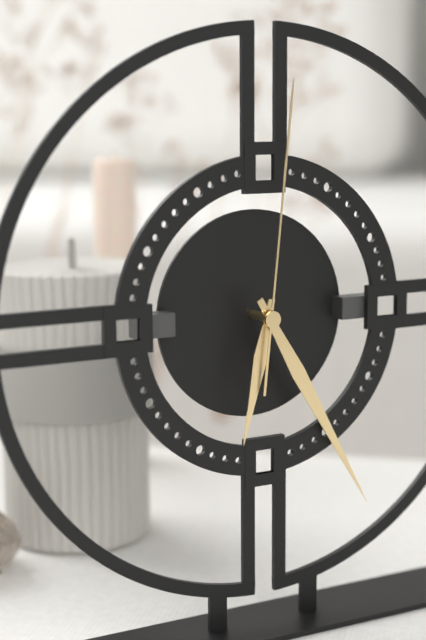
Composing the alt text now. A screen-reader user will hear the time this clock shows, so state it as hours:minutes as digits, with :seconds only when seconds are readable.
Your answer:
6:25:01
